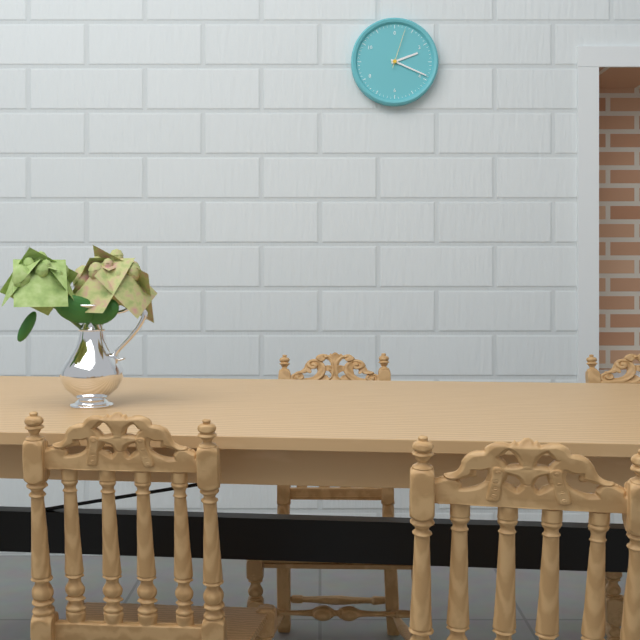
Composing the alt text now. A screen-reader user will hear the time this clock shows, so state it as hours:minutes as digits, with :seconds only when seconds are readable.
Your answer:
2:19
